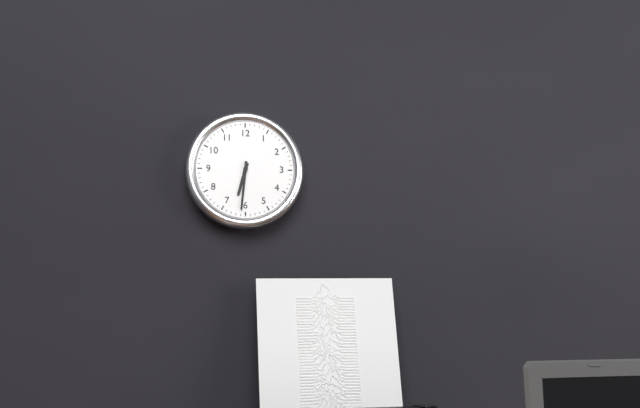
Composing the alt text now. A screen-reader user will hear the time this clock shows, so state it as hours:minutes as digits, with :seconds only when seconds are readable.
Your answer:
6:31
